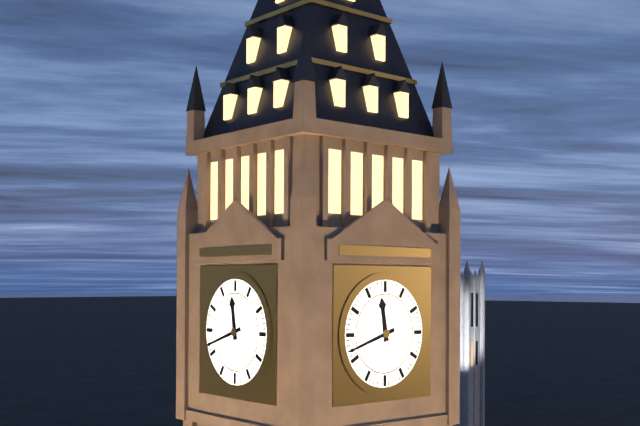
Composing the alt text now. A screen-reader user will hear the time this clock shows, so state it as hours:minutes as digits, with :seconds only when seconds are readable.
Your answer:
11:42
